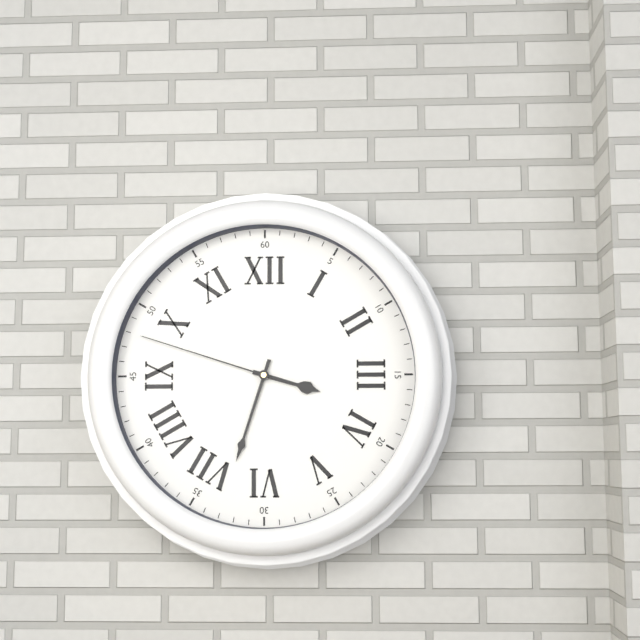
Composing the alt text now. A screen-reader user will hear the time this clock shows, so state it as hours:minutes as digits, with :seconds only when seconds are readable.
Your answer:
3:33:48
